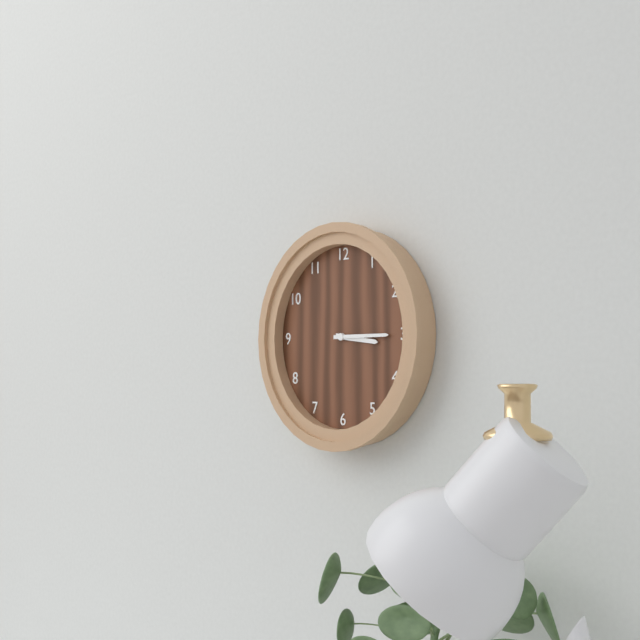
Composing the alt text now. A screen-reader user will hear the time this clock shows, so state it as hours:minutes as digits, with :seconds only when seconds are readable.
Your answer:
3:15
